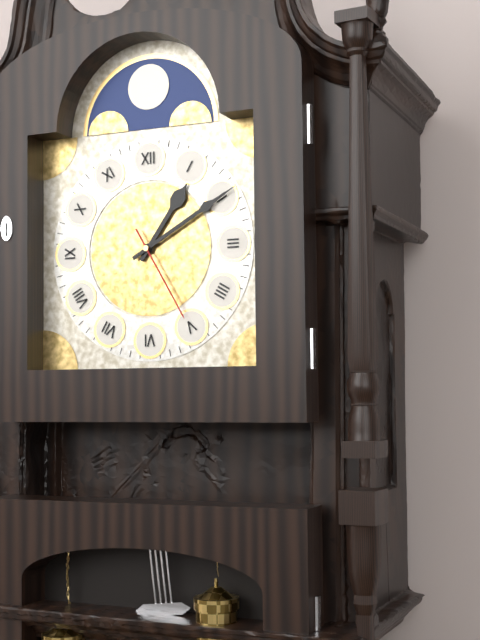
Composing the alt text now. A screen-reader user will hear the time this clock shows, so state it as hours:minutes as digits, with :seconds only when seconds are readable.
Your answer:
1:10:25
